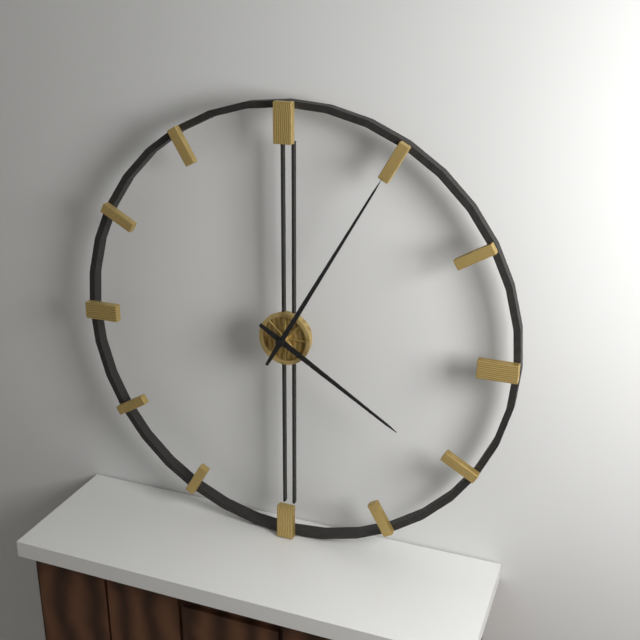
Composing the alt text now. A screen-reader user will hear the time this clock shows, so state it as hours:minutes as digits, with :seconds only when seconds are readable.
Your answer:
4:05
